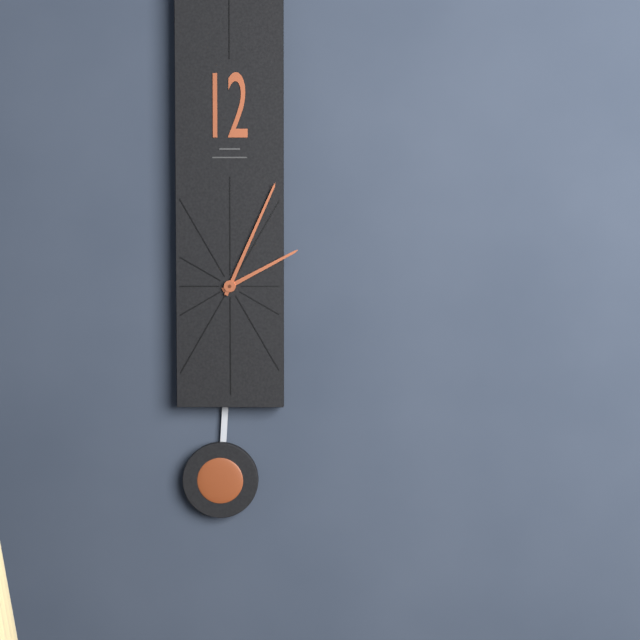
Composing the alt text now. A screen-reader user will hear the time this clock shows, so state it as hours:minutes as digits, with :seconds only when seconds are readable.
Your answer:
2:04
